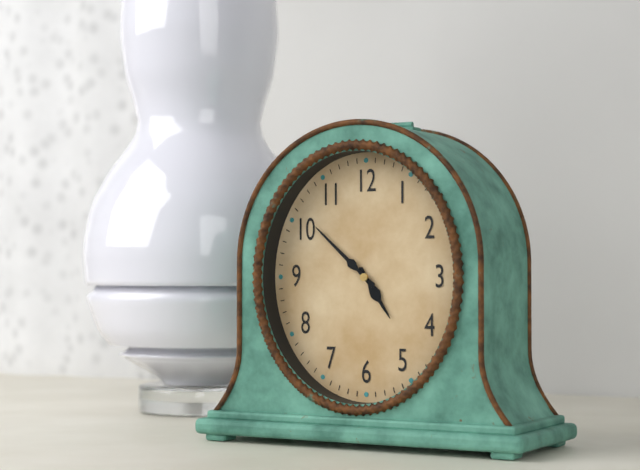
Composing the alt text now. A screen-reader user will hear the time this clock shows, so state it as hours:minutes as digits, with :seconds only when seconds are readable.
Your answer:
4:52
